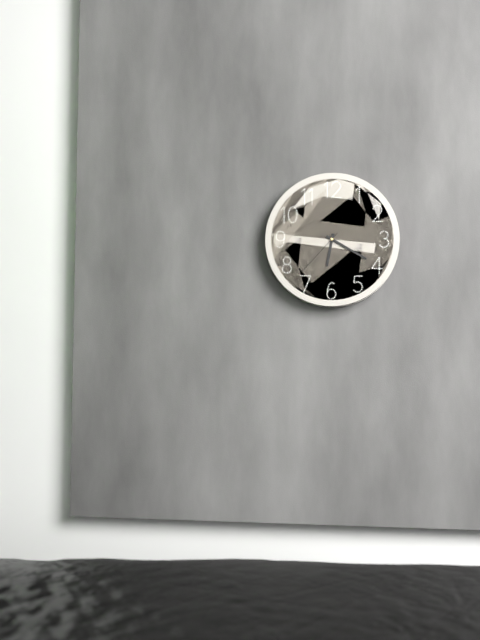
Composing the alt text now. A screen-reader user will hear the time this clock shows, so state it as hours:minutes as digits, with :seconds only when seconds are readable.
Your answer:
6:20:37
